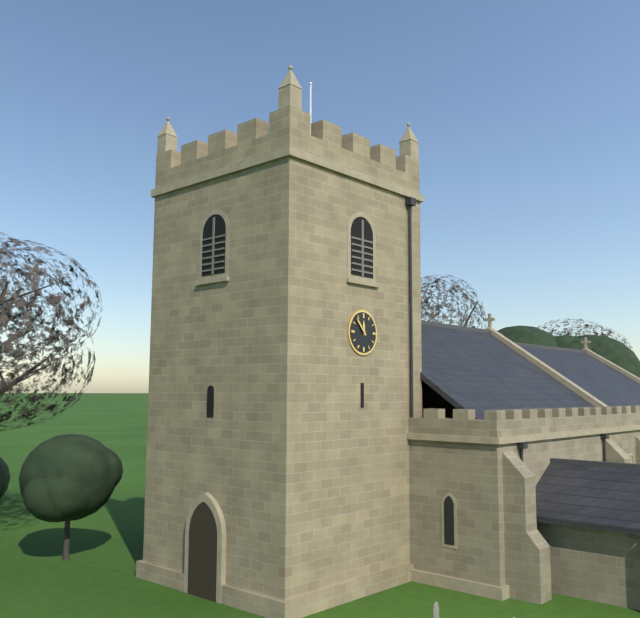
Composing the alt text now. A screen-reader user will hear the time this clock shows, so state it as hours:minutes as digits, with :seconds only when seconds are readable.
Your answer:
11:53
